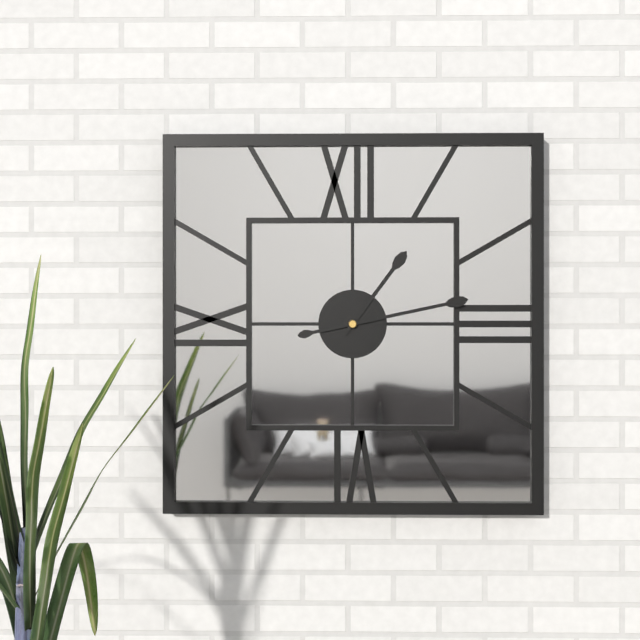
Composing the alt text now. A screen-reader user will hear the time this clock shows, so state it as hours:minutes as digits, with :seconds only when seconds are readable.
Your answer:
1:13
